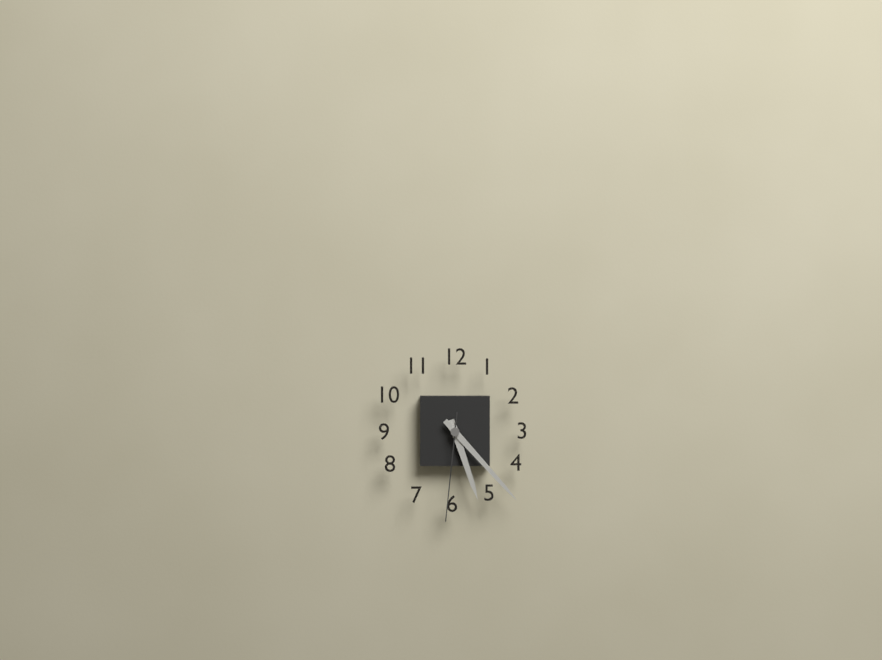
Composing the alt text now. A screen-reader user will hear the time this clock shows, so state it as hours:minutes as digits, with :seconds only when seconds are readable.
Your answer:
5:23:31
